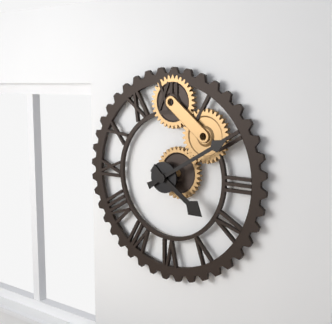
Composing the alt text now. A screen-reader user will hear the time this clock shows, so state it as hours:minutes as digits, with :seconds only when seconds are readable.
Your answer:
4:10
